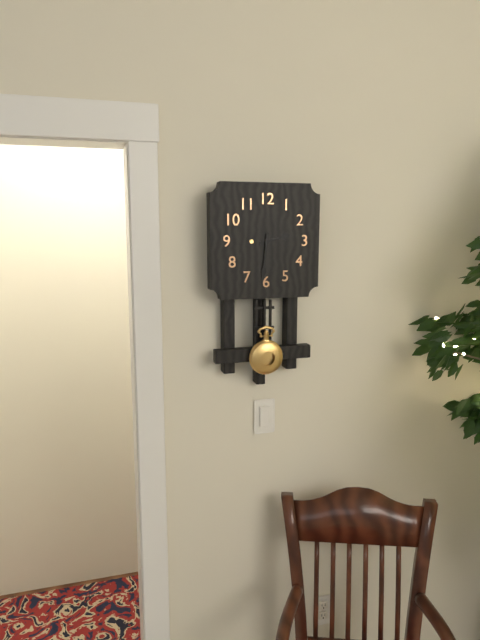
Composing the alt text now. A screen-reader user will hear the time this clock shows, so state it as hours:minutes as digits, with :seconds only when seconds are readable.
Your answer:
2:31
